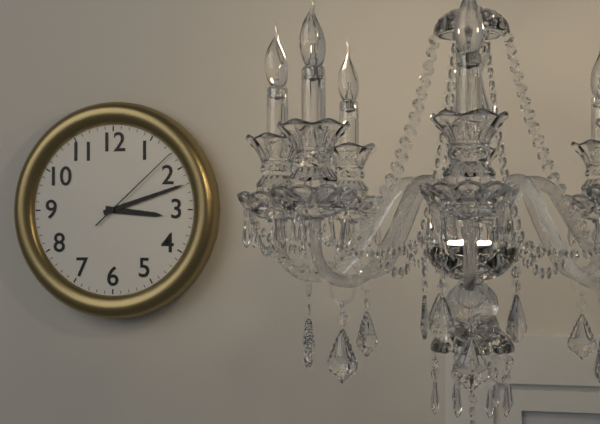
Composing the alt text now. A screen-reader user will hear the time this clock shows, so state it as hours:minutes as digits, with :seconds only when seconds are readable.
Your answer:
3:12:08
